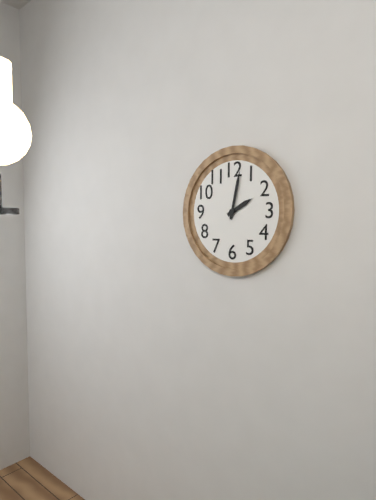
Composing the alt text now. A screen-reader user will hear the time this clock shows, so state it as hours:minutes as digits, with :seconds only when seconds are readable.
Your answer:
2:02
